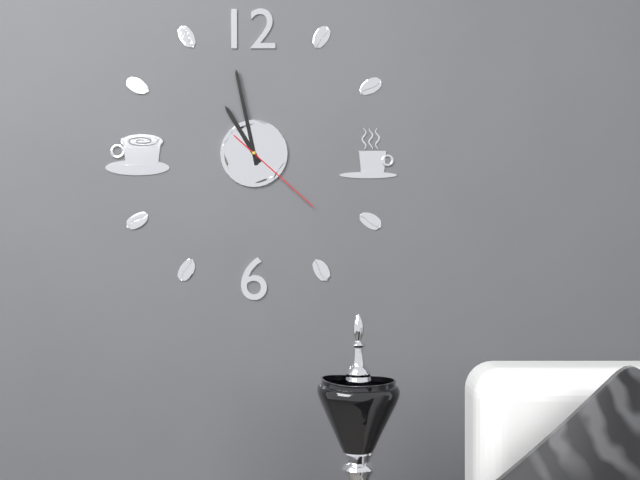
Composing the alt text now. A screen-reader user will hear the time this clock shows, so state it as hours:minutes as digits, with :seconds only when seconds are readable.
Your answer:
10:58:22
